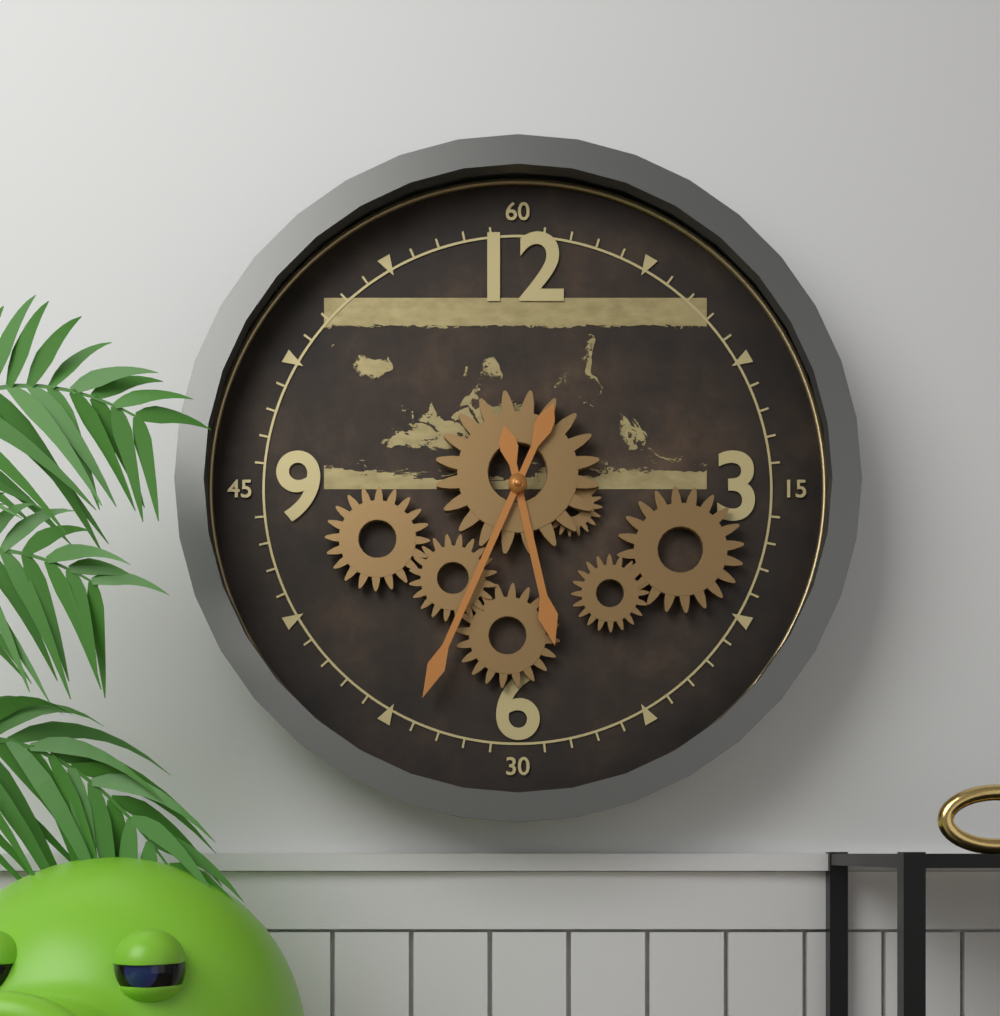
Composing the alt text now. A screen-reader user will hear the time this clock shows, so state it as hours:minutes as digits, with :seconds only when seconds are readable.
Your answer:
5:34
